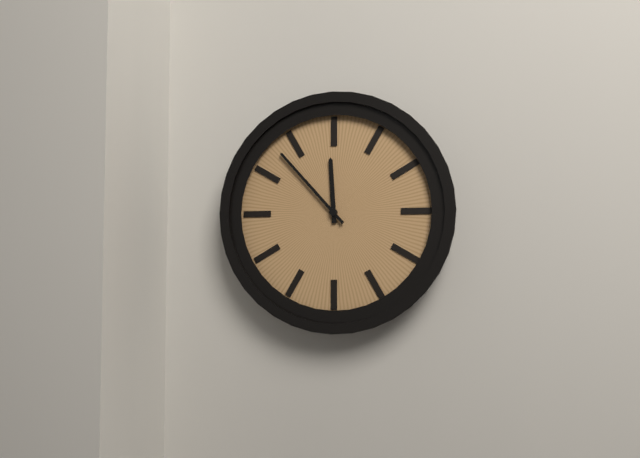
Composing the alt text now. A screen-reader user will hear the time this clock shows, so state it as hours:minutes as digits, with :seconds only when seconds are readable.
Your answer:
11:53
